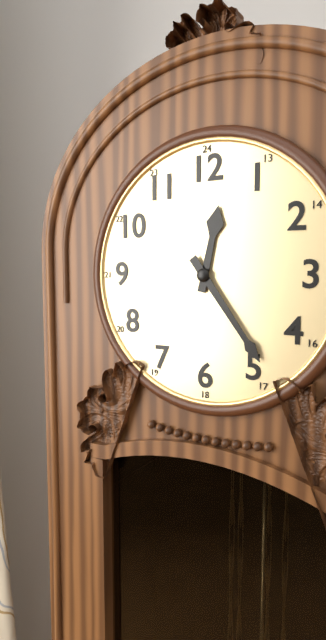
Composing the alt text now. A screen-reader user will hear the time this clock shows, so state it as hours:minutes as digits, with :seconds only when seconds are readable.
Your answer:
12:24
